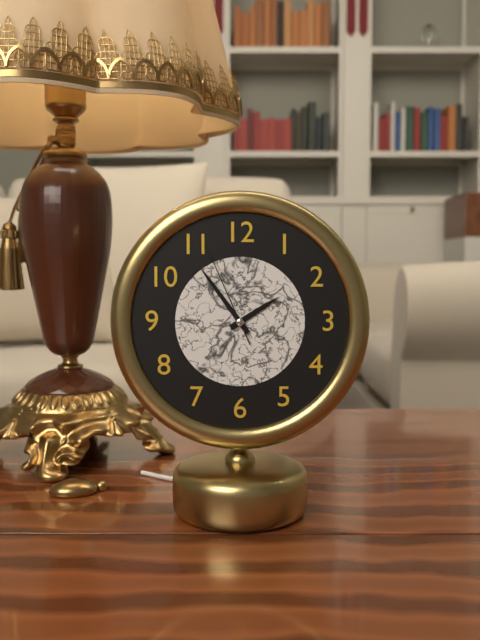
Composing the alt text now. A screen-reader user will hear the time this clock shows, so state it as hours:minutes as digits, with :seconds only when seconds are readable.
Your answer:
1:54:56
